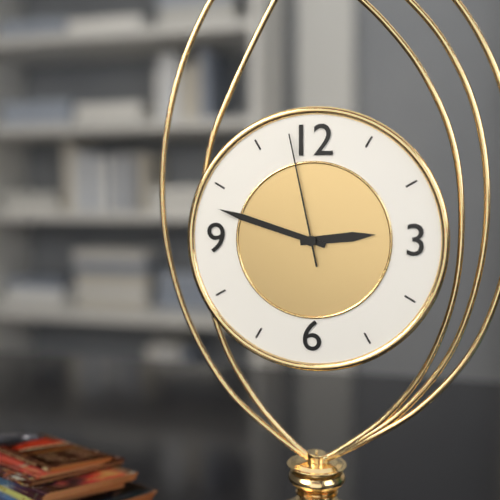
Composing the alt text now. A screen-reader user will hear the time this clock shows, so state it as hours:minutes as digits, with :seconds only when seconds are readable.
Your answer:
2:48:58
